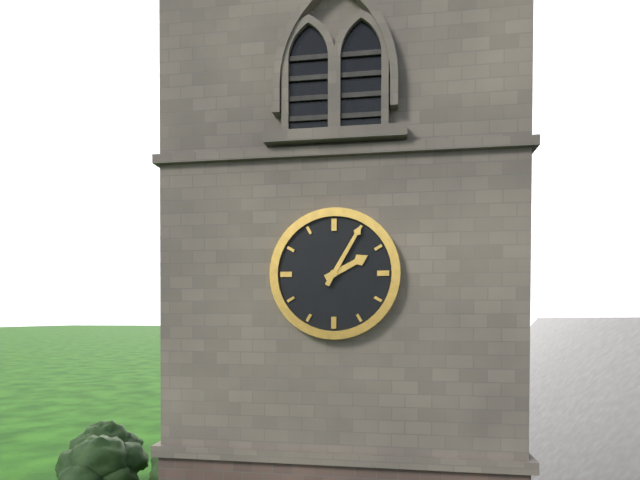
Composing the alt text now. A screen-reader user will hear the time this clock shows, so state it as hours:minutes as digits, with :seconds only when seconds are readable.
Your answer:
2:05
